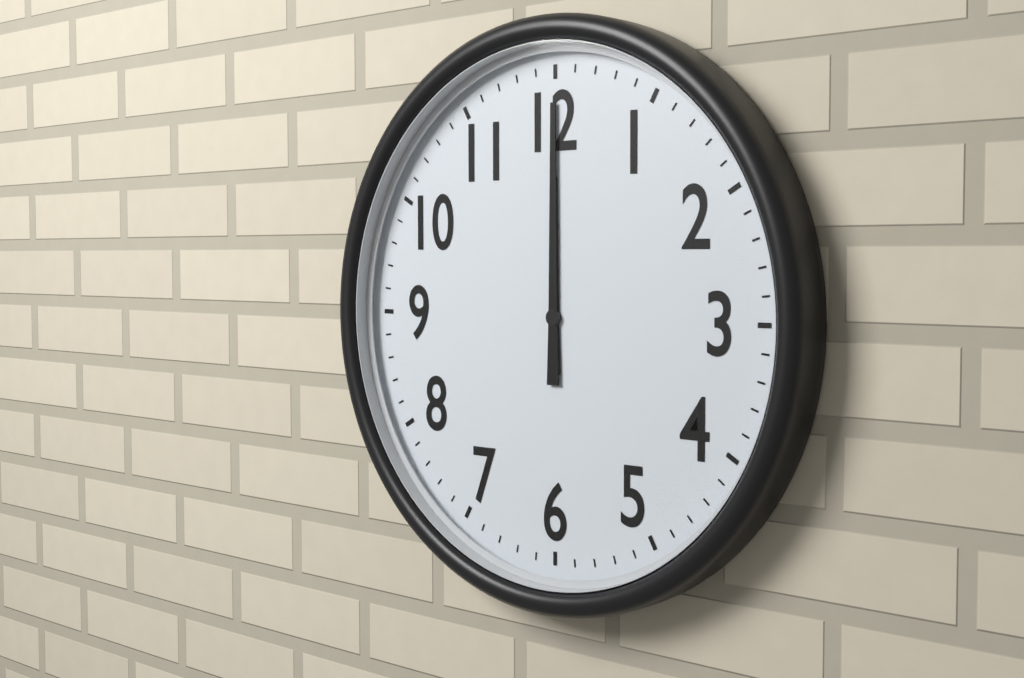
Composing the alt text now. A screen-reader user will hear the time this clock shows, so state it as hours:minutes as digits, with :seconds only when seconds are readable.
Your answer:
12:00
